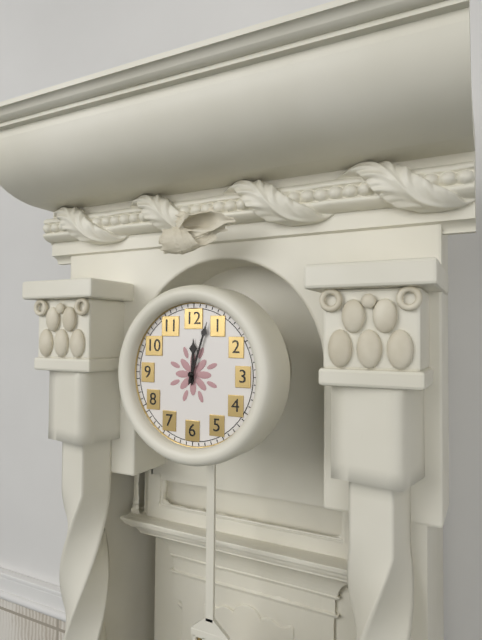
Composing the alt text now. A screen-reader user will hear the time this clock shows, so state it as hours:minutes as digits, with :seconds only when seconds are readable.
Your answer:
12:03
